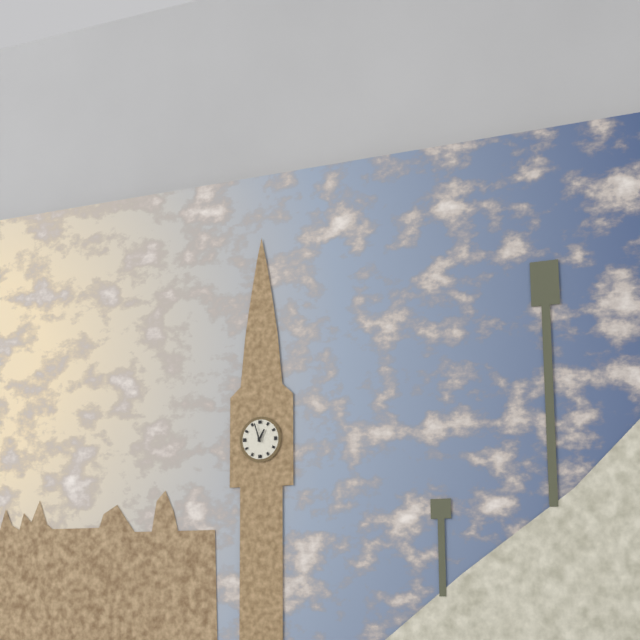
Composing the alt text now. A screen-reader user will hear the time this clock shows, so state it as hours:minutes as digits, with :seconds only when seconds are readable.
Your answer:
12:57
